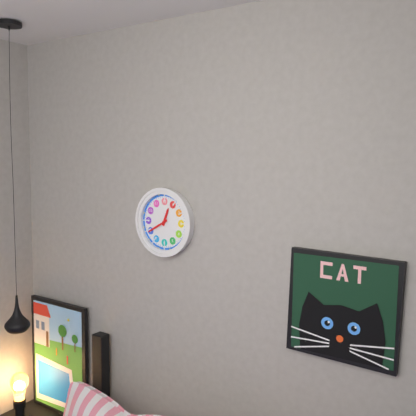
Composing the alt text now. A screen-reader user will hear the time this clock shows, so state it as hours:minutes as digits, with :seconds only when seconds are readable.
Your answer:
12:40
